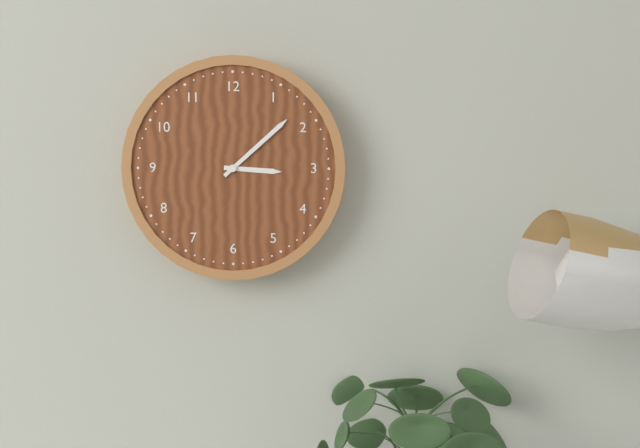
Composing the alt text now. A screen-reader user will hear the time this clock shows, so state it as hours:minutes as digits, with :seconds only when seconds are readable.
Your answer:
3:08
